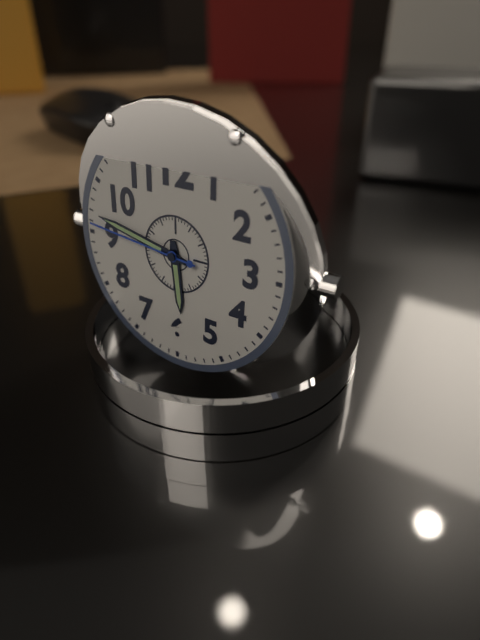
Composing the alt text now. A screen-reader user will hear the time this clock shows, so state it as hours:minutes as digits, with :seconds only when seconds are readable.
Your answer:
5:47:46
